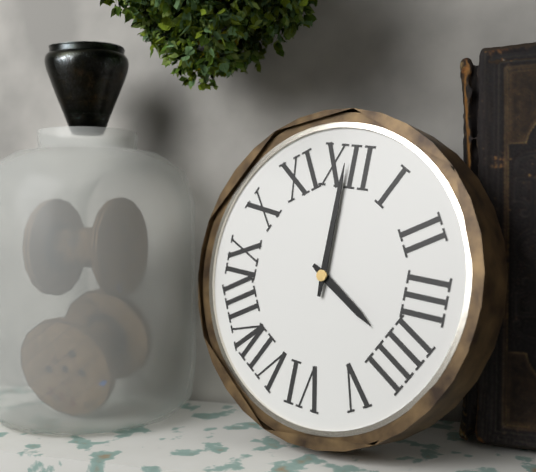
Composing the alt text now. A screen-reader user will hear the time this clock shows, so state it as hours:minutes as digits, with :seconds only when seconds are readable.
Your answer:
4:00
